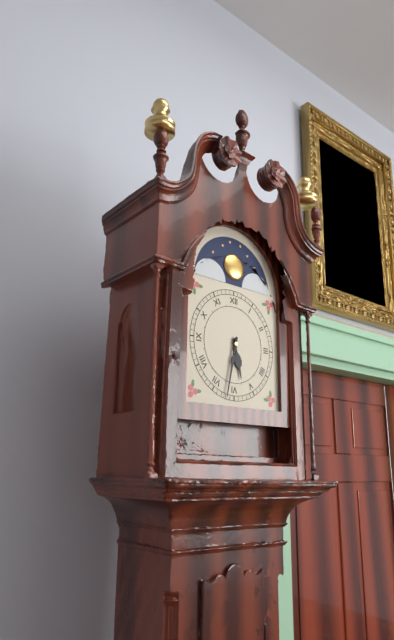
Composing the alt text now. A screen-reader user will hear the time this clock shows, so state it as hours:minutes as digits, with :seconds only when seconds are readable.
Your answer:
5:32
